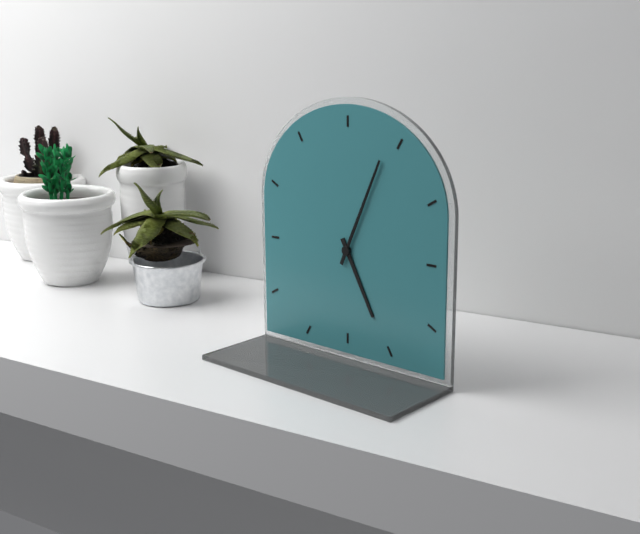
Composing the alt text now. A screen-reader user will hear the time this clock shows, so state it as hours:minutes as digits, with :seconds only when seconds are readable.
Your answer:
5:04
